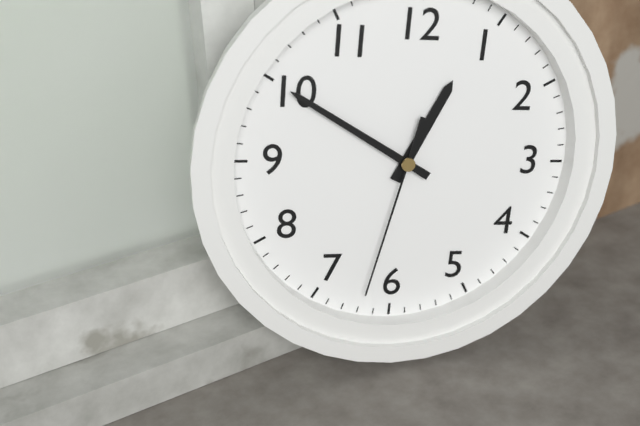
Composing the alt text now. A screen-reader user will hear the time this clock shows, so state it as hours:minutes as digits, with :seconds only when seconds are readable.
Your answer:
12:50:32
